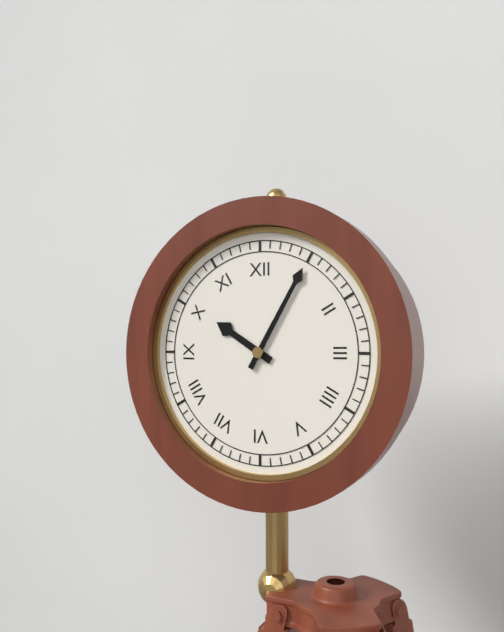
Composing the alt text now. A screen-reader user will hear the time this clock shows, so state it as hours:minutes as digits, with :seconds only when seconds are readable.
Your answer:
10:05
